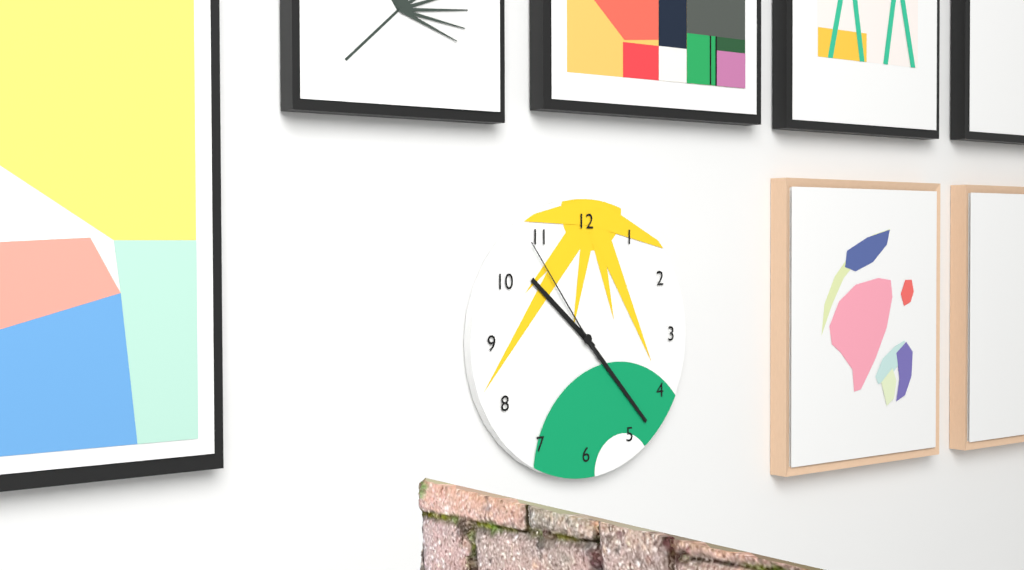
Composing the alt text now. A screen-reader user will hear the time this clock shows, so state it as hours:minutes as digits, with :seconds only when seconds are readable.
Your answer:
10:23:54
